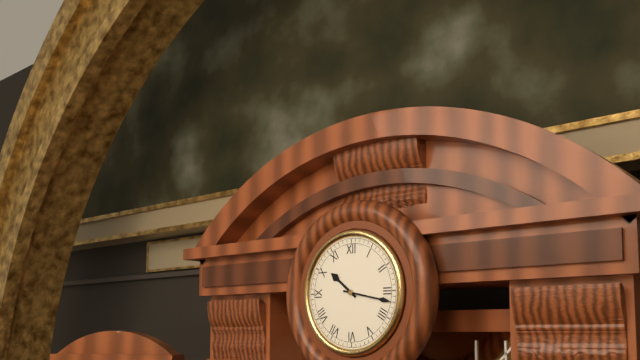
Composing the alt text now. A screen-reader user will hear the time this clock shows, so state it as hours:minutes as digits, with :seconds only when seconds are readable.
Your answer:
10:17
